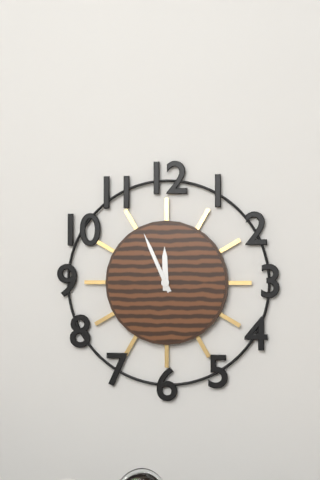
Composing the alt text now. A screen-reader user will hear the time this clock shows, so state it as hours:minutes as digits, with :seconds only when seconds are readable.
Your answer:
11:56
